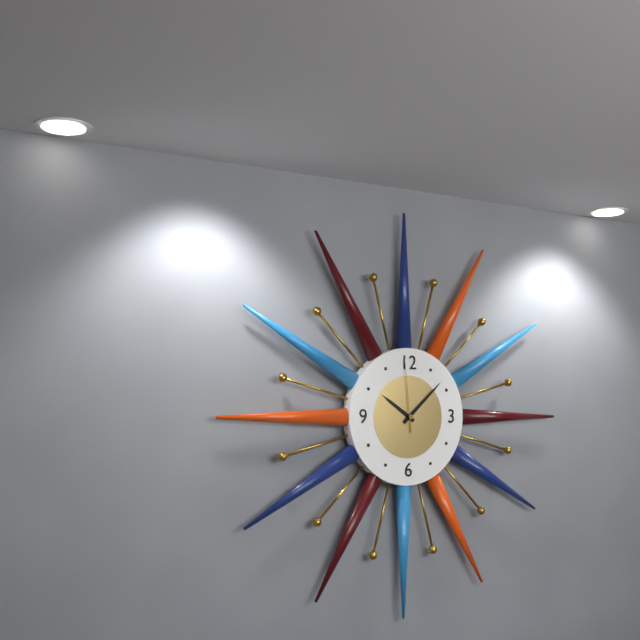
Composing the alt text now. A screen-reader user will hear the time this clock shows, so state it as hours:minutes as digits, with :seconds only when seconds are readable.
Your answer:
10:08:59
